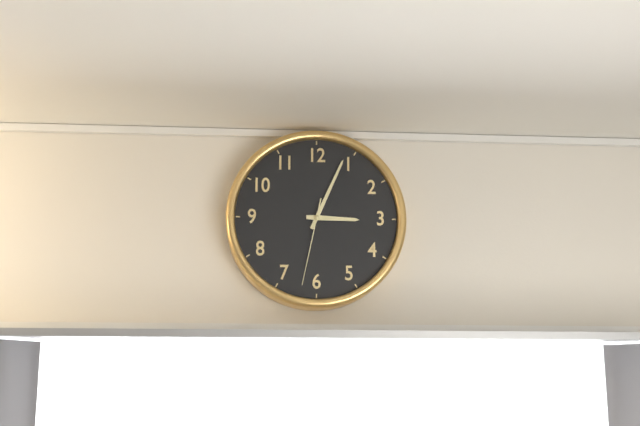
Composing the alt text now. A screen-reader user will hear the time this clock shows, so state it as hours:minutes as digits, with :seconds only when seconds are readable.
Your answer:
3:04:32
